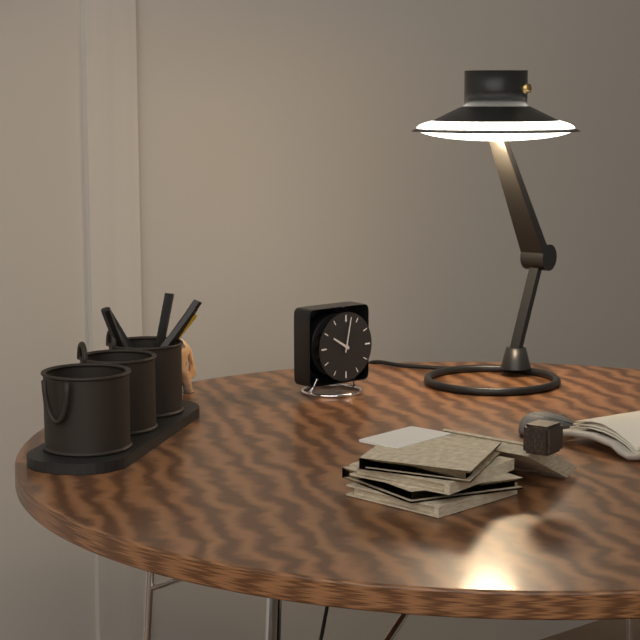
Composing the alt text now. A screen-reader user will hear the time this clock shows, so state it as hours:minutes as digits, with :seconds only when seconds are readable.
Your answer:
10:02
